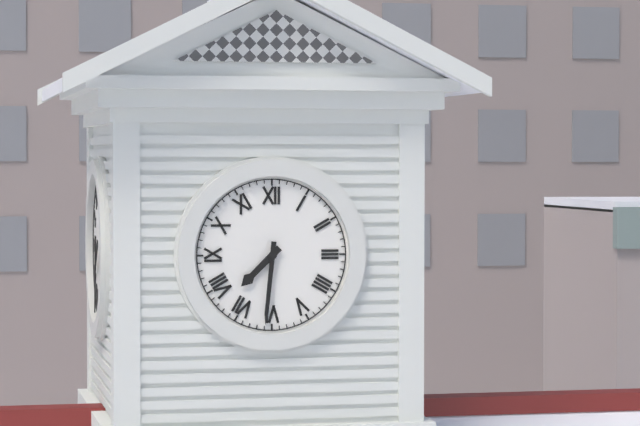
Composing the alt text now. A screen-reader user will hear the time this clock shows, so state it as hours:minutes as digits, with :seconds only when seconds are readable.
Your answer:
7:31
